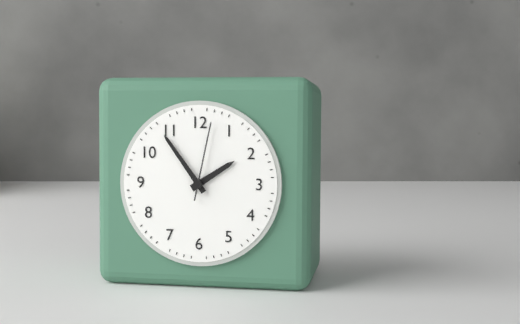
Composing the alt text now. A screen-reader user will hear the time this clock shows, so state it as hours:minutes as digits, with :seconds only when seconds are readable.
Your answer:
1:54:02
